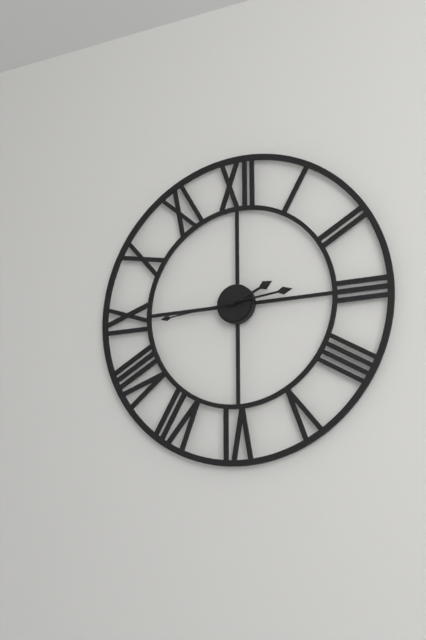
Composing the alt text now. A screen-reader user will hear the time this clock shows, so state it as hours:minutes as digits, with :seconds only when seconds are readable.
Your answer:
2:14:44
